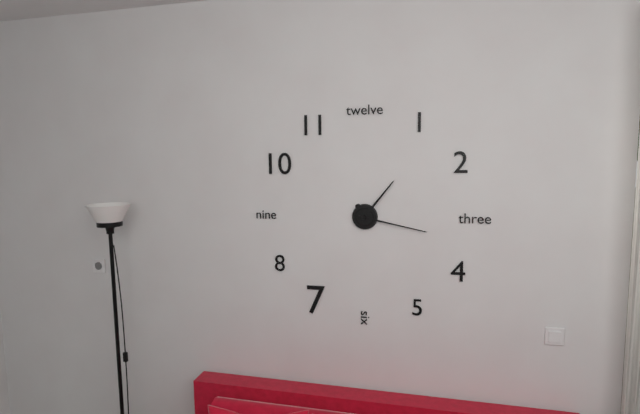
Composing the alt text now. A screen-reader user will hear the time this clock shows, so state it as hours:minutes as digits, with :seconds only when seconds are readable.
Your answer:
1:17
